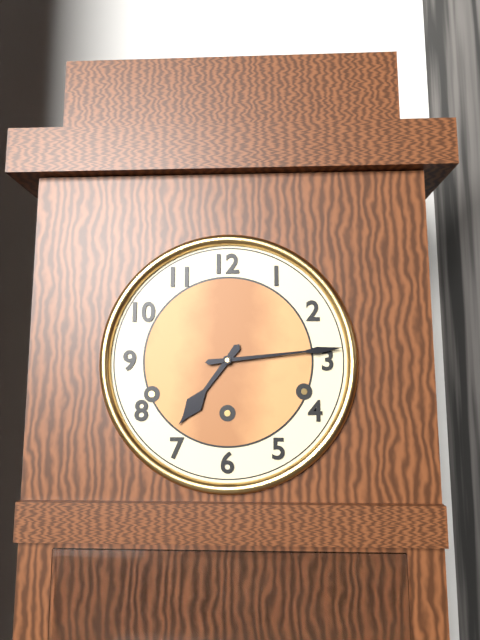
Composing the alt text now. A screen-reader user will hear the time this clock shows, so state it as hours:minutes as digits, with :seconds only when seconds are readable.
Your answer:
7:14
